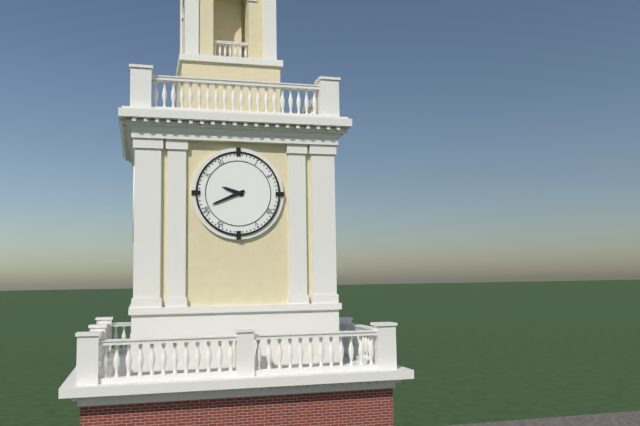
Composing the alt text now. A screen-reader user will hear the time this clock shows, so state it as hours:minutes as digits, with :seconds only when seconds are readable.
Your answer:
9:41
